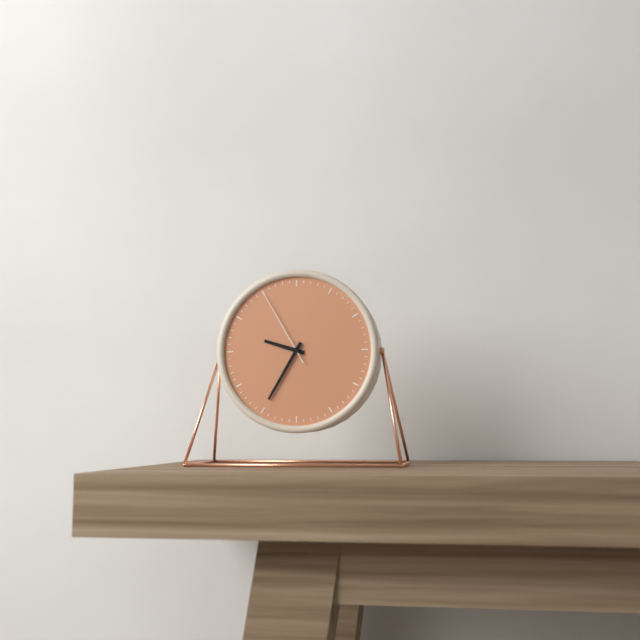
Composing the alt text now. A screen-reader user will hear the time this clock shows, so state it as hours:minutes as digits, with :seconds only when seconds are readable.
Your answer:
9:35:55
